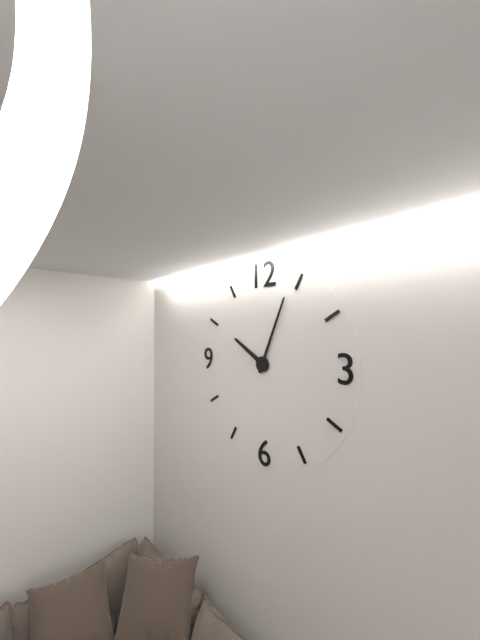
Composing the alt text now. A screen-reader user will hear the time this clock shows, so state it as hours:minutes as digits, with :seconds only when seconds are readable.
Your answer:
10:04
